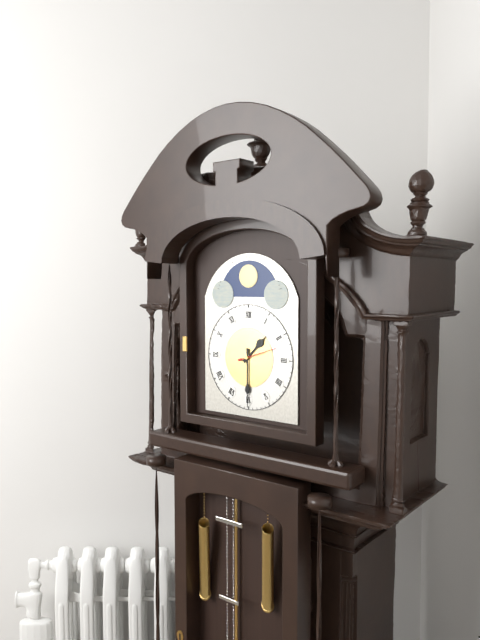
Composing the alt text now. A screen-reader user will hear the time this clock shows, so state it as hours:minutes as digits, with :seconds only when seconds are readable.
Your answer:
1:30
